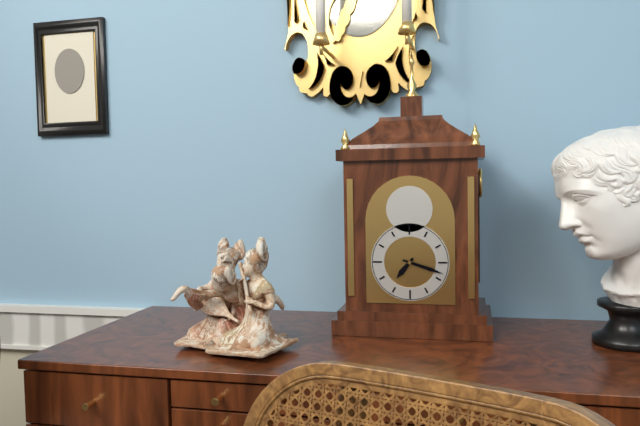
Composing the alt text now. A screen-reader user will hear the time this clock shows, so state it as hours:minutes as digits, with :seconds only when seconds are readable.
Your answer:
7:18
